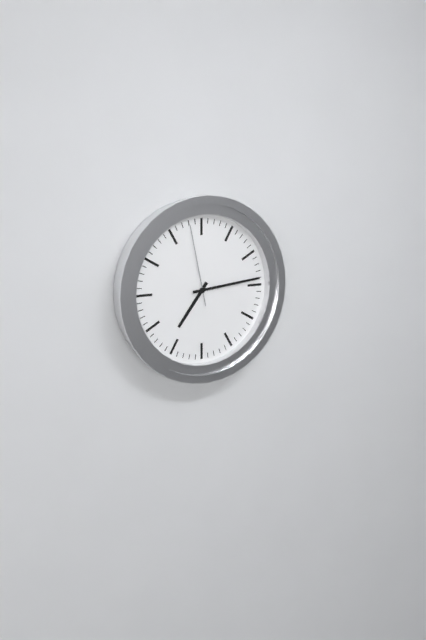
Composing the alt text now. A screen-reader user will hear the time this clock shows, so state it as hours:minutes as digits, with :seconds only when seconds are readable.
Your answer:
7:14:58
